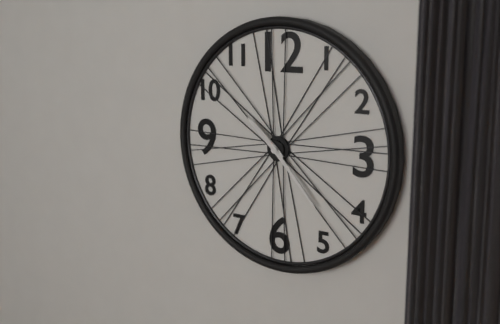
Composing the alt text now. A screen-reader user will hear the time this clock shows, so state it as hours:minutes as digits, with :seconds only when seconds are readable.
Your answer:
10:23
